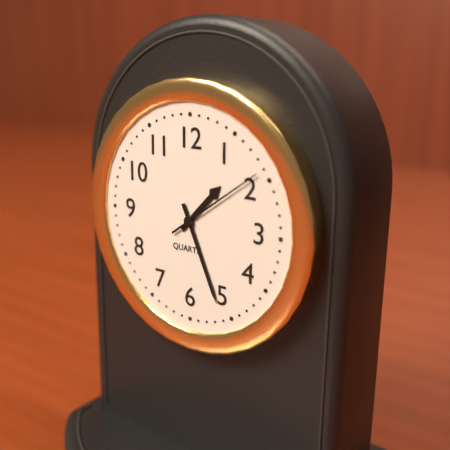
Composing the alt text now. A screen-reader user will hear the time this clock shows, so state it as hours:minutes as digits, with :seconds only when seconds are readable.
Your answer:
1:26:09
